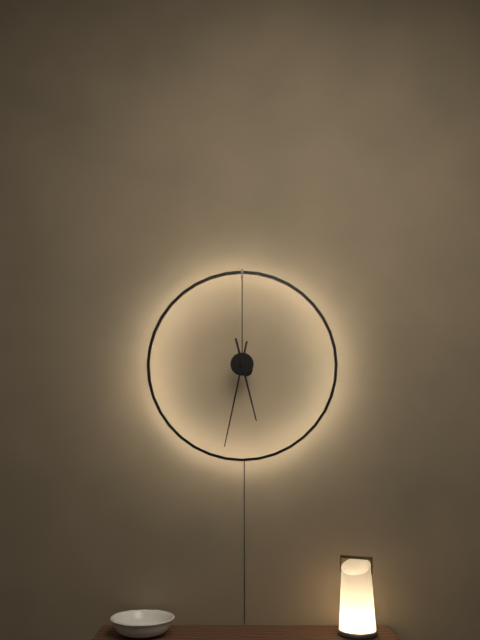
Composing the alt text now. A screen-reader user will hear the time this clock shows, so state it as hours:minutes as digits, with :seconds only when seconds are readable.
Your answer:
5:32
